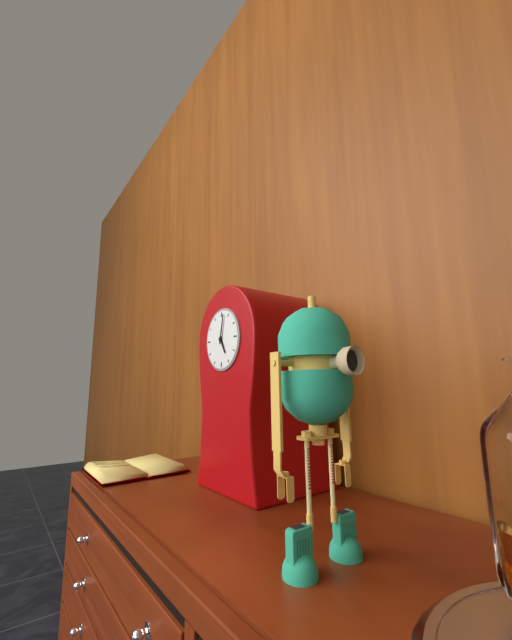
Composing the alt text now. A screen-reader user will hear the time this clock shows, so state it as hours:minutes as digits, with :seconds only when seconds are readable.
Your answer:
5:02
